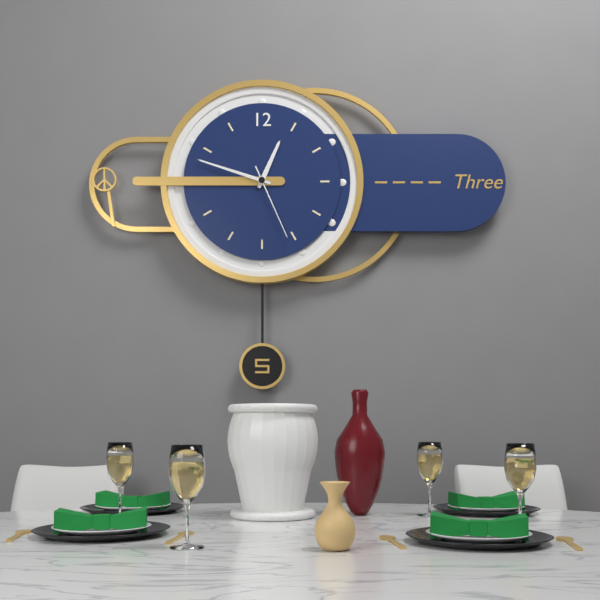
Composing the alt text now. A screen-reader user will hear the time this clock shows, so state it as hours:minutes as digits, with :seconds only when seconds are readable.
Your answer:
12:48:26
